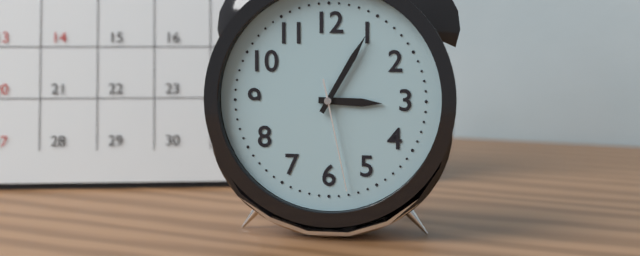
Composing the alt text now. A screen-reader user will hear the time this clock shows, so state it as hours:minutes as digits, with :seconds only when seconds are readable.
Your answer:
3:05:28
